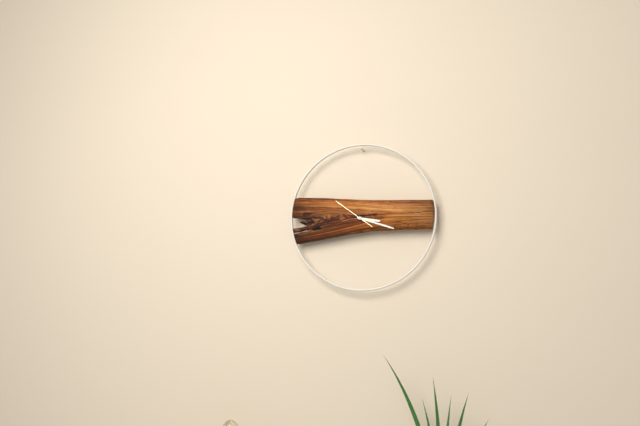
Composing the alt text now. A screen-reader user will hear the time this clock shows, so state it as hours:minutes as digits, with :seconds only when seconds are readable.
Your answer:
3:18
